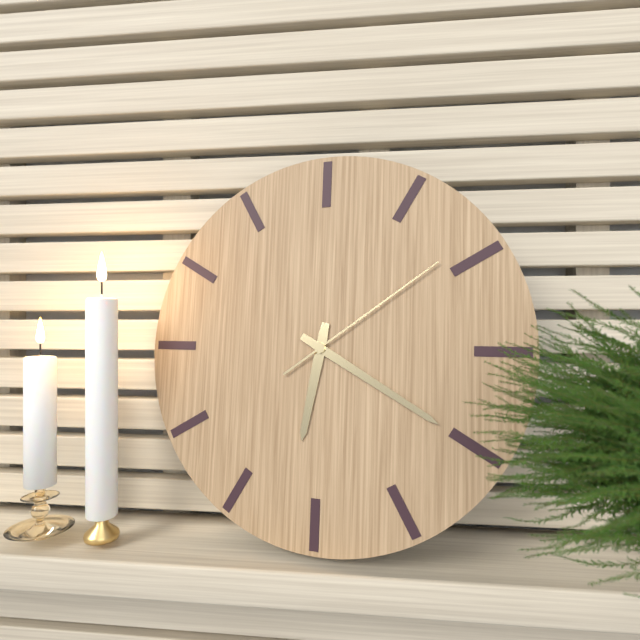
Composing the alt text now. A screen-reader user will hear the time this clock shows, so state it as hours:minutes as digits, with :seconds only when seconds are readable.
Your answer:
6:20:09
